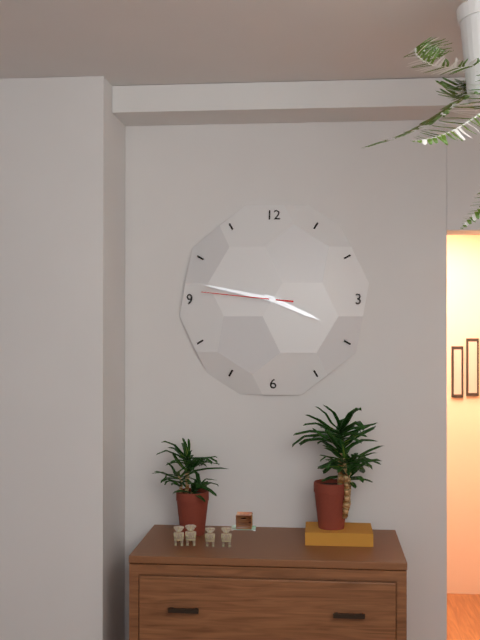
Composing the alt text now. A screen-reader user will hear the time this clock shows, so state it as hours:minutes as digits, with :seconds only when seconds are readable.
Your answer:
3:47:46
